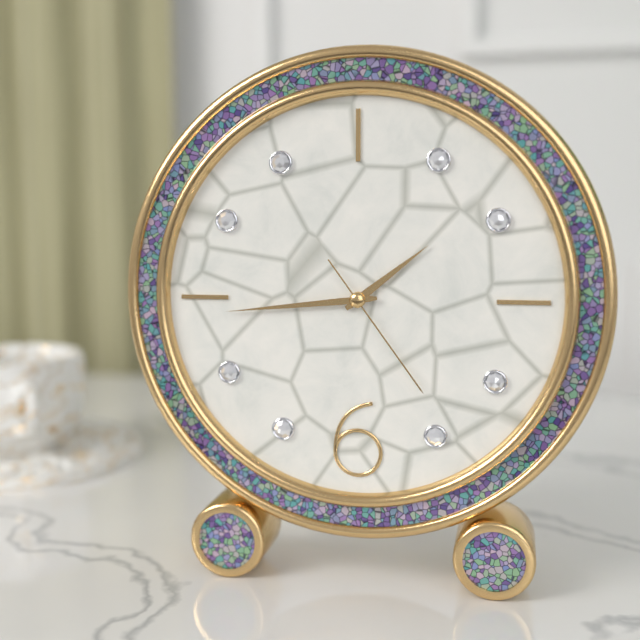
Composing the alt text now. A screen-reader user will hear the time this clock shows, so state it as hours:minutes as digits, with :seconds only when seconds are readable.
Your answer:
1:44:24
